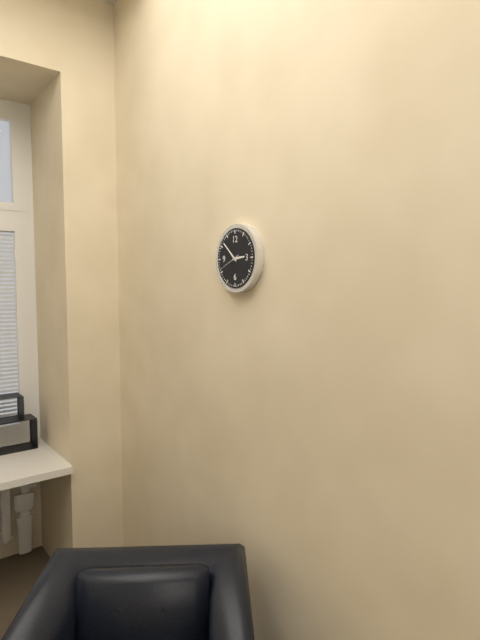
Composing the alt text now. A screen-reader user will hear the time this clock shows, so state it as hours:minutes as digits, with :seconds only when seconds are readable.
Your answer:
2:52
